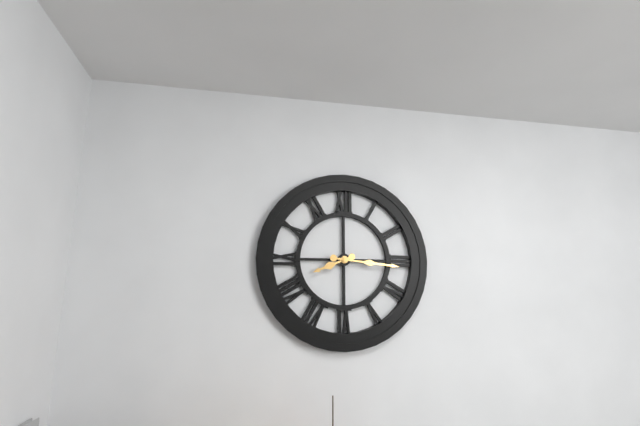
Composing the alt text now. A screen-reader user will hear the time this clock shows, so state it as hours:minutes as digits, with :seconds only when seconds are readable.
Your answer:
8:16
